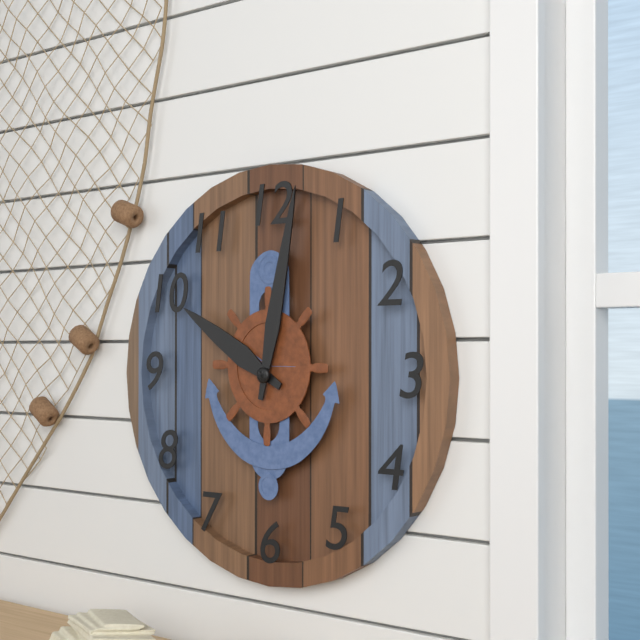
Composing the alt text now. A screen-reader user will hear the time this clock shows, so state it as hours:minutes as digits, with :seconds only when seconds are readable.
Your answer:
10:02
